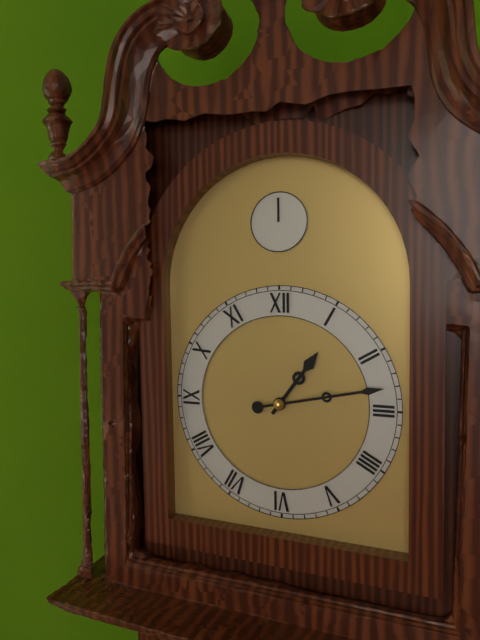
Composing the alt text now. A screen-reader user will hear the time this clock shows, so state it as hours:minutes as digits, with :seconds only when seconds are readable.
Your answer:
1:13
